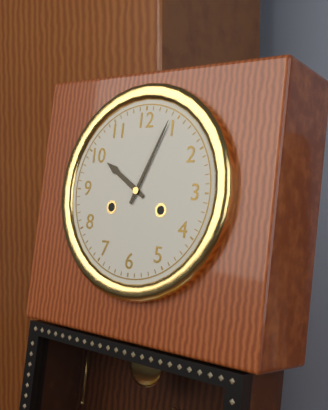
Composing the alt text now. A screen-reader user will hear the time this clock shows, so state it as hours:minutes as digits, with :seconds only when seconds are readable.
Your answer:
10:04
